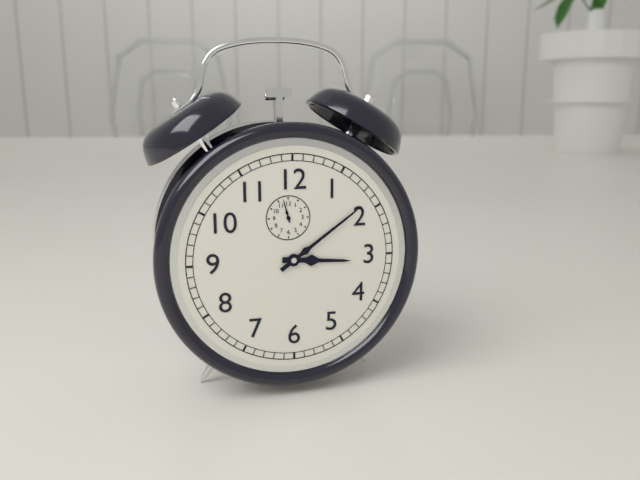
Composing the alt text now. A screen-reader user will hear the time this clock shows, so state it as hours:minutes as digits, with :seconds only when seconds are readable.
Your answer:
3:09
